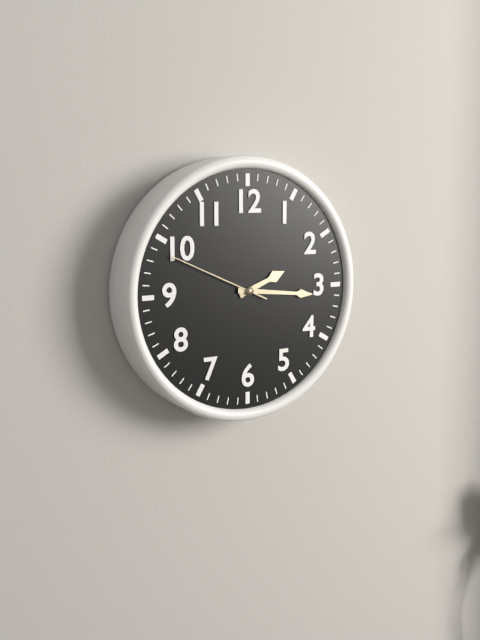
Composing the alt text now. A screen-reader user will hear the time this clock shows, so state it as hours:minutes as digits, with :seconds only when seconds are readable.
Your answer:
2:16:49
